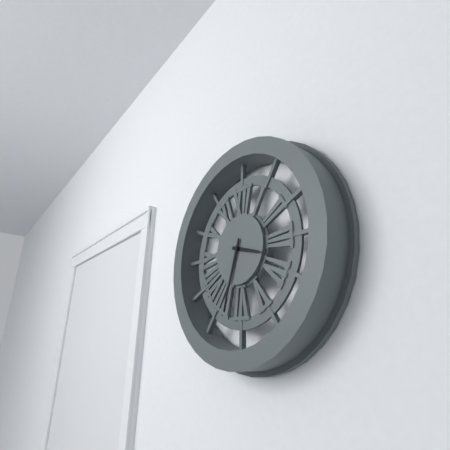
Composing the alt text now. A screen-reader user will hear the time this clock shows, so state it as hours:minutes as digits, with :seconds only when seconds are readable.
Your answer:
3:33
